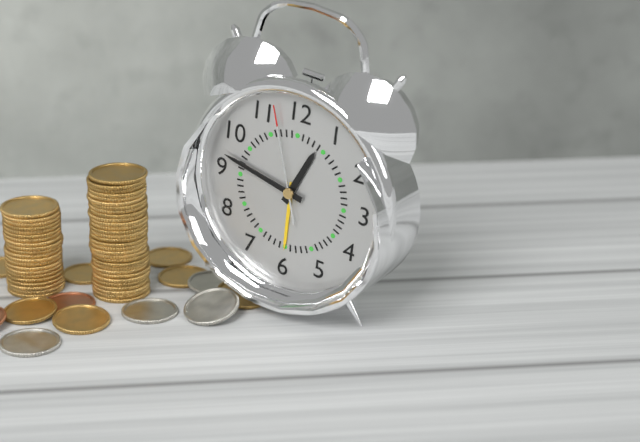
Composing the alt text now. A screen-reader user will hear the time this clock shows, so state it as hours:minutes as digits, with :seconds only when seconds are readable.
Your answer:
12:47:57
